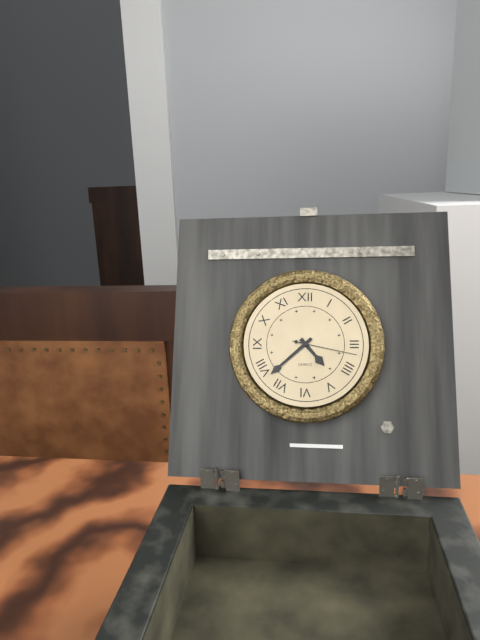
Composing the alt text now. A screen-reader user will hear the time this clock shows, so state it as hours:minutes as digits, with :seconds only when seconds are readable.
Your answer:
4:38:17
